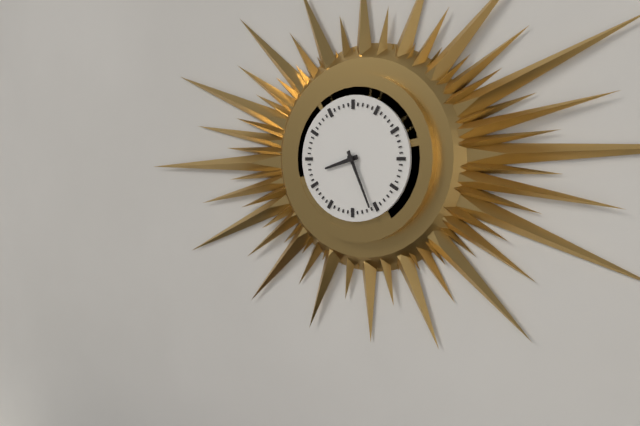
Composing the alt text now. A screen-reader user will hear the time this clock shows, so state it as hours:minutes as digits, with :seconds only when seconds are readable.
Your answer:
8:26
